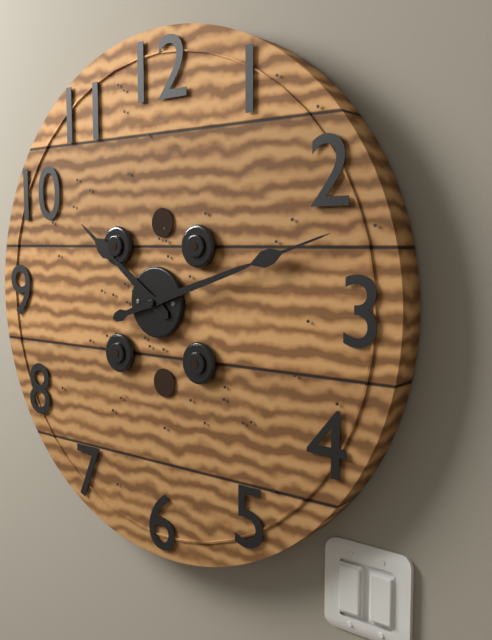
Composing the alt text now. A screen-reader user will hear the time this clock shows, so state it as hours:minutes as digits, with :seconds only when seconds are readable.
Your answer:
10:12
